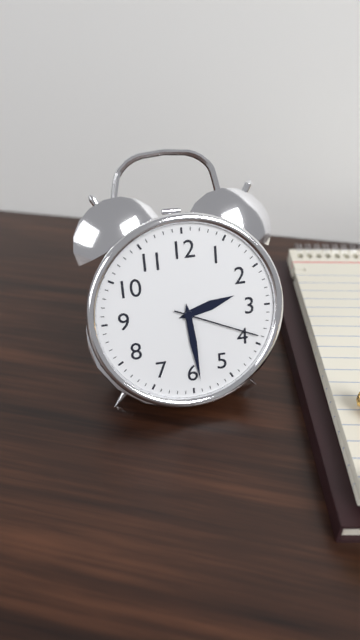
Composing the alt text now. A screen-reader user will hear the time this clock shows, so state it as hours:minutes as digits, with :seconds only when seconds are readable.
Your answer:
2:29:19
